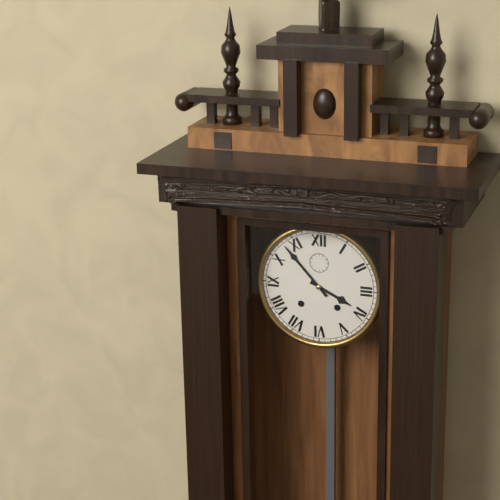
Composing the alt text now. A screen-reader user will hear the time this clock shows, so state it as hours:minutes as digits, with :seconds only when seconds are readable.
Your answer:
3:53
